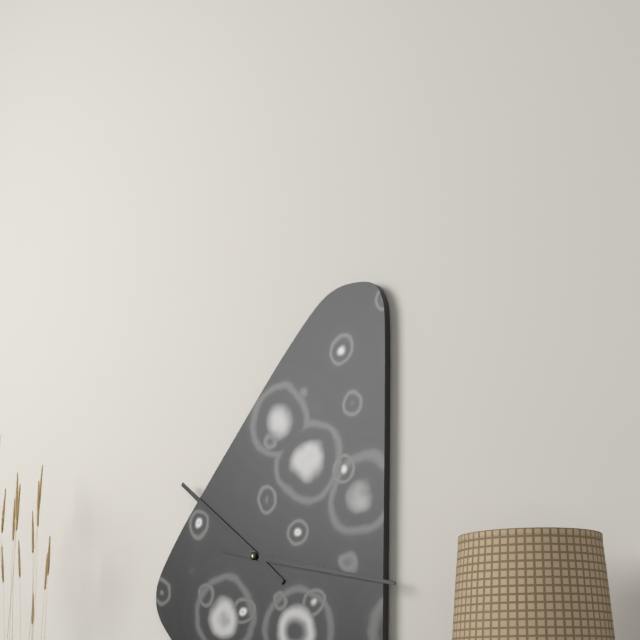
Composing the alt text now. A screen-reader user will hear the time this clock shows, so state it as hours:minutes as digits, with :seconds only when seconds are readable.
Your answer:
10:17
